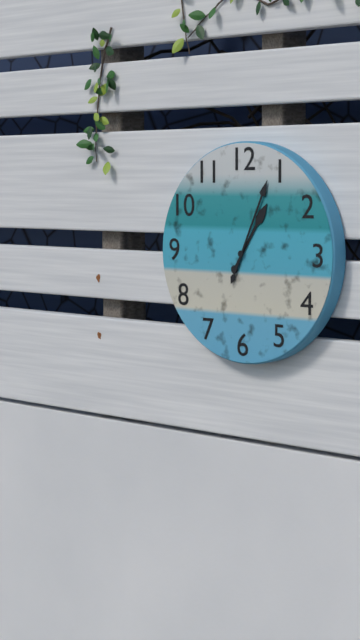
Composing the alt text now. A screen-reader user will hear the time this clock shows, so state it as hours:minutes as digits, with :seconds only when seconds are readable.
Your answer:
1:04
